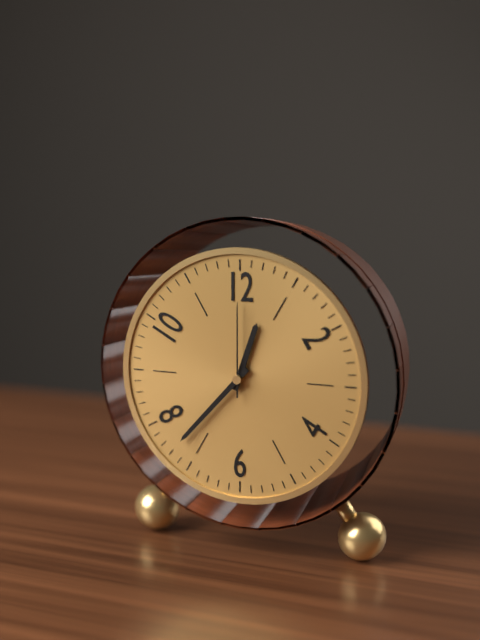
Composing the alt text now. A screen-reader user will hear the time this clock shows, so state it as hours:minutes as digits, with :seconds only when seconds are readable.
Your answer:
12:37:00
